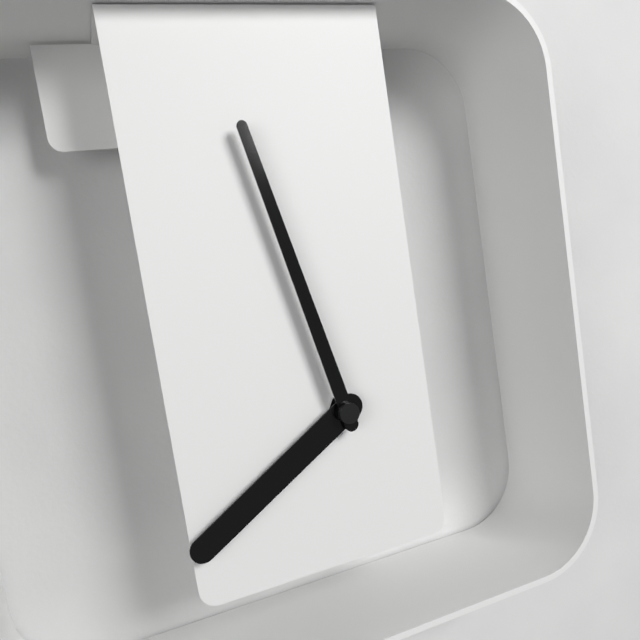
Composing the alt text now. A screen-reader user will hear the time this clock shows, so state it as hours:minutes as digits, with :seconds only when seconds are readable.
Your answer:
7:58
